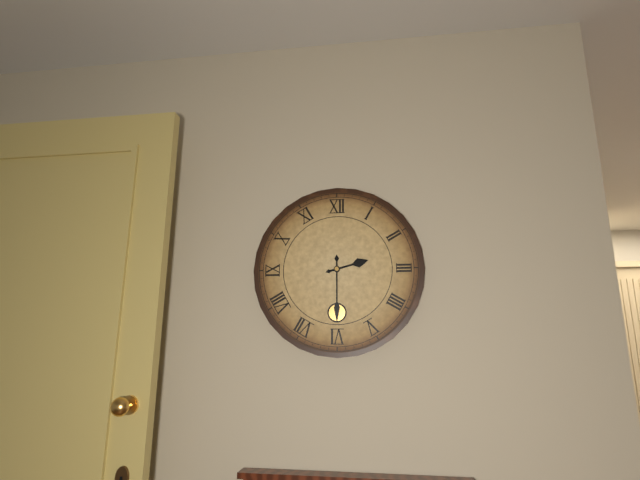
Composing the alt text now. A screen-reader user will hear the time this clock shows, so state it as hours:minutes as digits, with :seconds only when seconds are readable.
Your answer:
2:30
